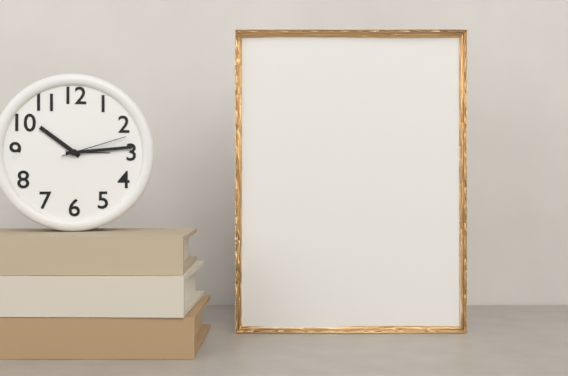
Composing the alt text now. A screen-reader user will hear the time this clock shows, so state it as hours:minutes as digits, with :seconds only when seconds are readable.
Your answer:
10:14:12
